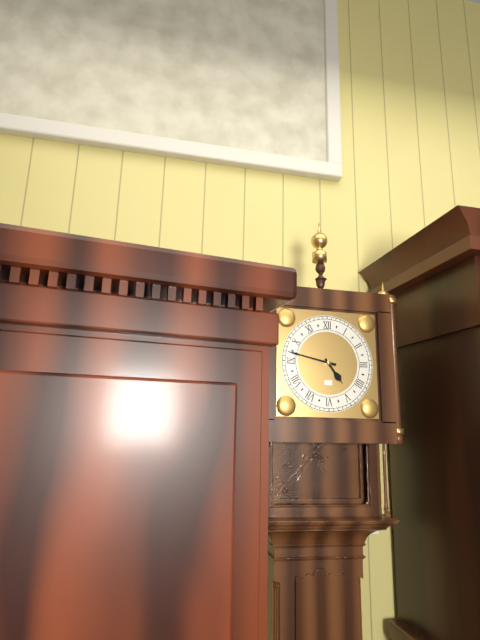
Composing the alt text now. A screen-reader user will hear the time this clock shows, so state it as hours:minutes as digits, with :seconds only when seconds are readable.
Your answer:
4:47
